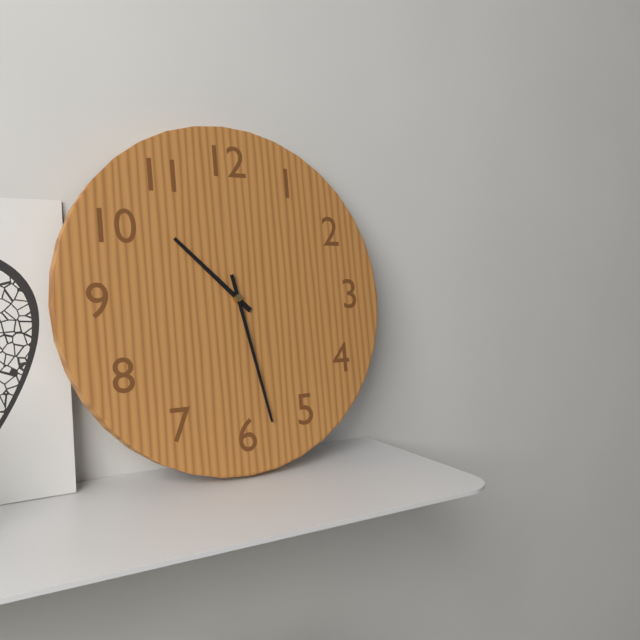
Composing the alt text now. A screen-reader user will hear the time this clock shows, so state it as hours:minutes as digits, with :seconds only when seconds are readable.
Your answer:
10:28
